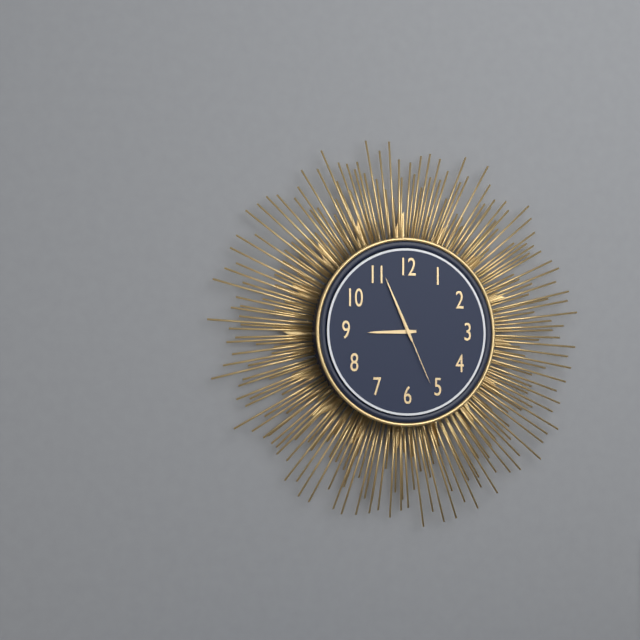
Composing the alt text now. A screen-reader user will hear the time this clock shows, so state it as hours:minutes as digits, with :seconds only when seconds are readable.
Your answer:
8:56:26
